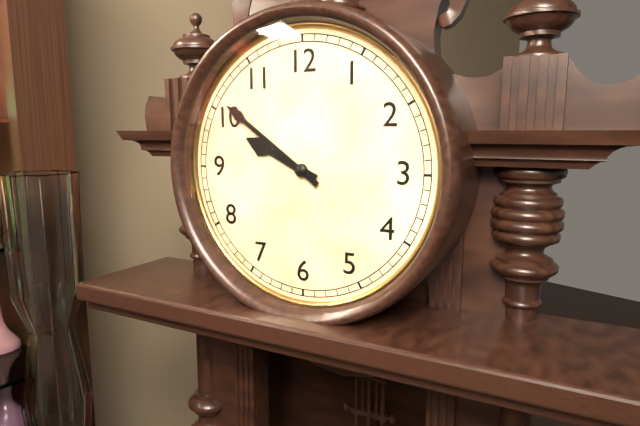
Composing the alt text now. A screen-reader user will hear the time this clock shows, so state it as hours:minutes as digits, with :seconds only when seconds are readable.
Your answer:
9:51
